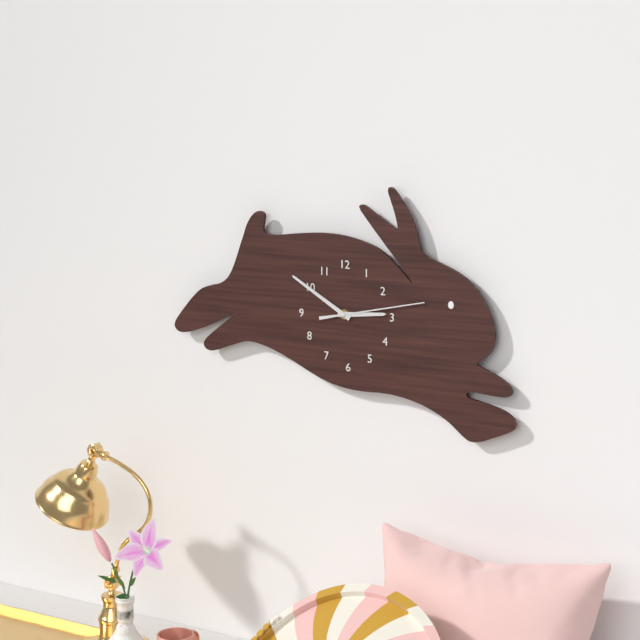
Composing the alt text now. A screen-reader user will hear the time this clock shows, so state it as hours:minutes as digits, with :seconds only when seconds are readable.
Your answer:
2:50:13
